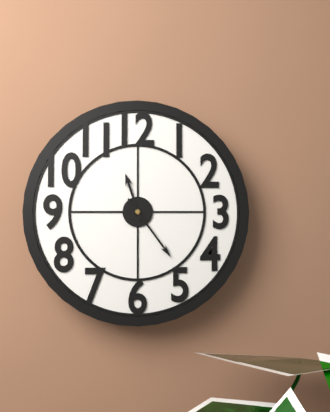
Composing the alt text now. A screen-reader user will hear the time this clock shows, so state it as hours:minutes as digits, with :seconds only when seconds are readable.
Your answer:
11:24
